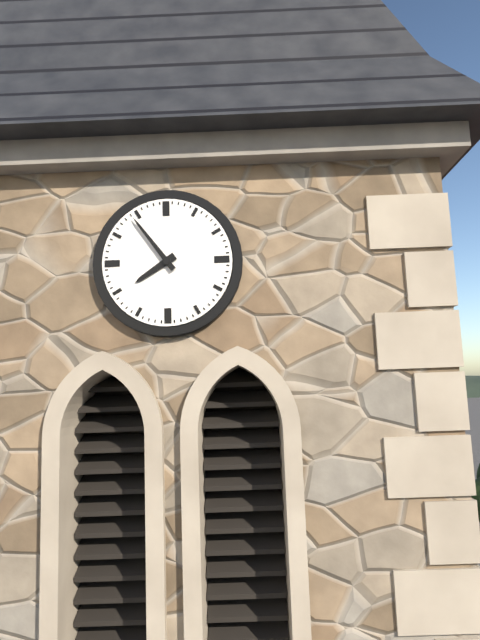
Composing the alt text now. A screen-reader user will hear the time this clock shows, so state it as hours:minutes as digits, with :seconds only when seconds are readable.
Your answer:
7:54
